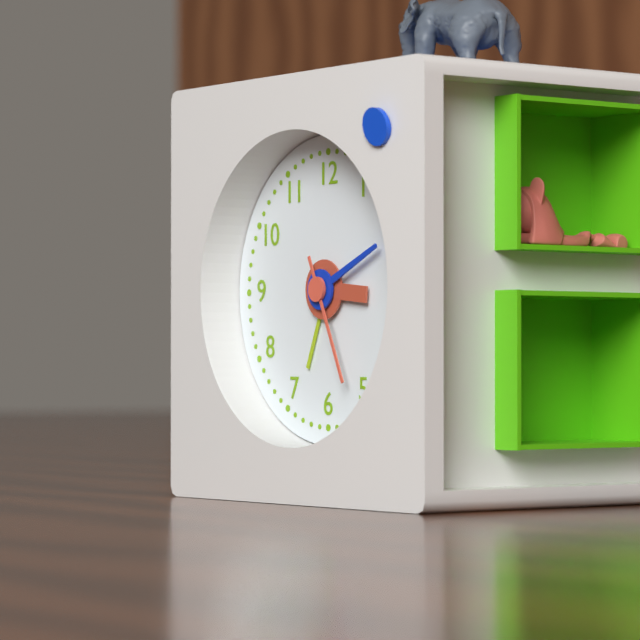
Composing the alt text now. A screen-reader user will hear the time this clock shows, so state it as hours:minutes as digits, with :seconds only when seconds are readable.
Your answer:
3:11:26
